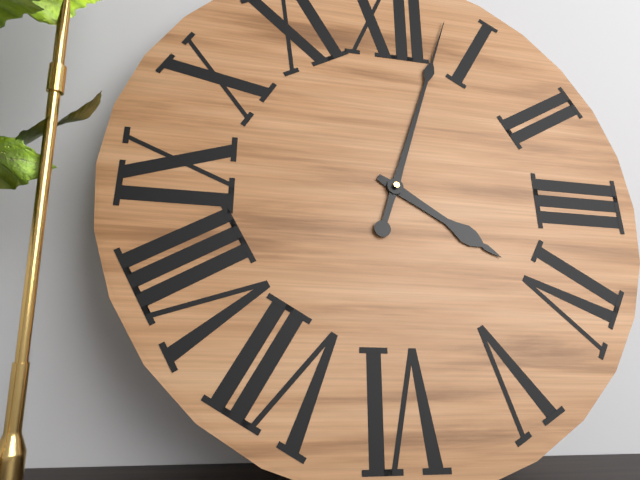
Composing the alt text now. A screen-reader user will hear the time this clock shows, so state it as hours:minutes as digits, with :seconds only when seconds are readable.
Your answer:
4:03
